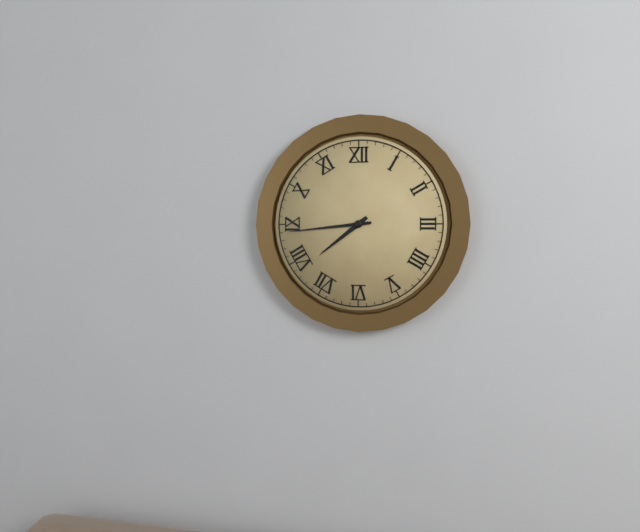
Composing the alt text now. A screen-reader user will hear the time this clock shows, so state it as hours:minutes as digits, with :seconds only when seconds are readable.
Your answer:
7:44
